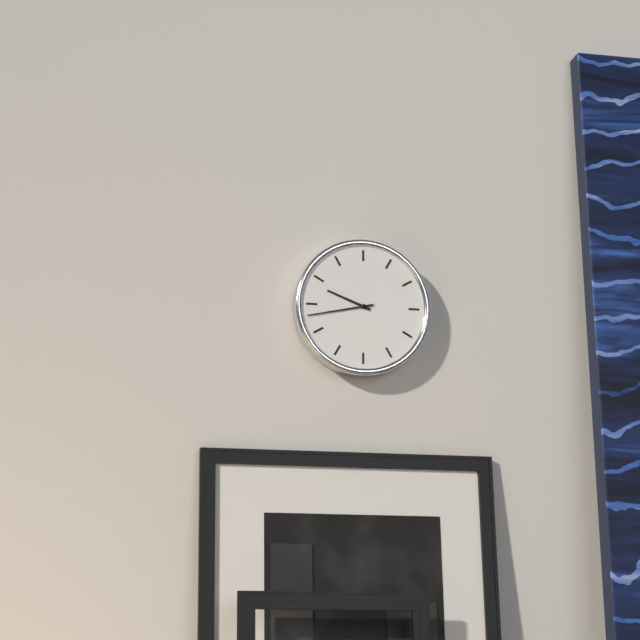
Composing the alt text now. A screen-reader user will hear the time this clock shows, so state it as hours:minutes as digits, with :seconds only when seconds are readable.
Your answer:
9:43
